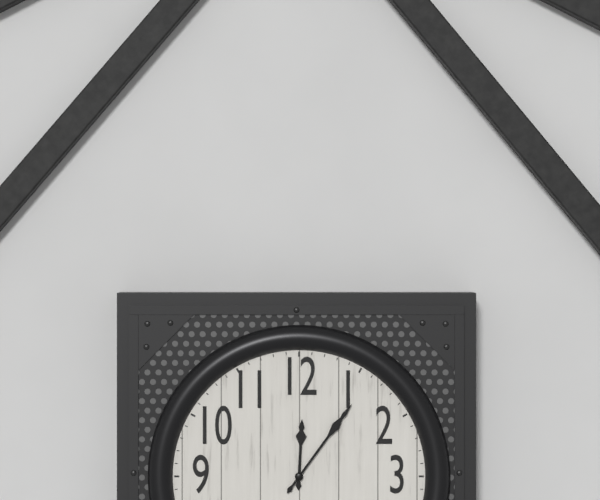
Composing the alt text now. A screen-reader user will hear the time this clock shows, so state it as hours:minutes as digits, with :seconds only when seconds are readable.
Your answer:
12:06
